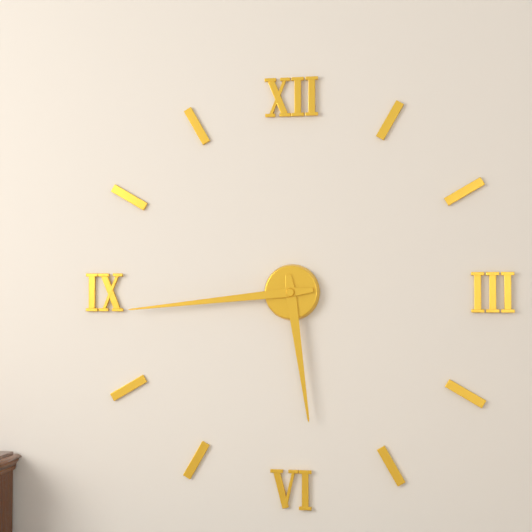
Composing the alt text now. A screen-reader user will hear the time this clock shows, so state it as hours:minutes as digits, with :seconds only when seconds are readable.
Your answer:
5:44
